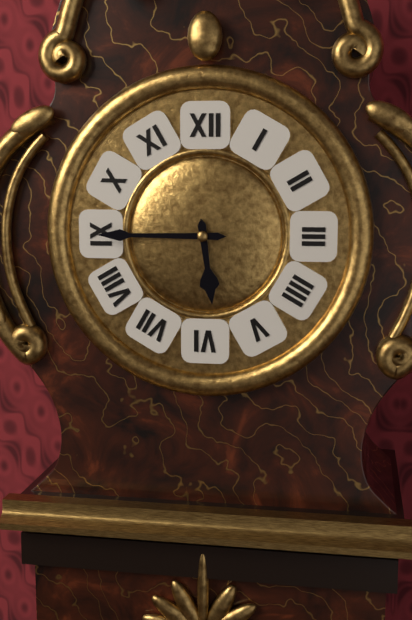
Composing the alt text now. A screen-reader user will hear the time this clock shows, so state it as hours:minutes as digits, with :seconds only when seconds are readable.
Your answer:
5:45
